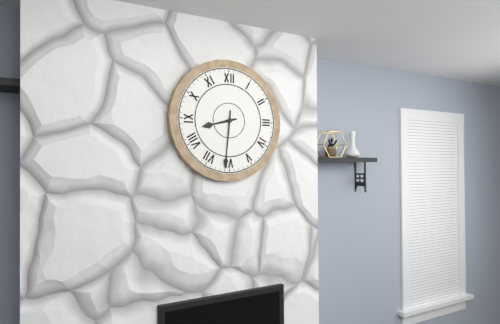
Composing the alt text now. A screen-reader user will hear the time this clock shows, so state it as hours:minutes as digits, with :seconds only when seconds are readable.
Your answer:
8:31
